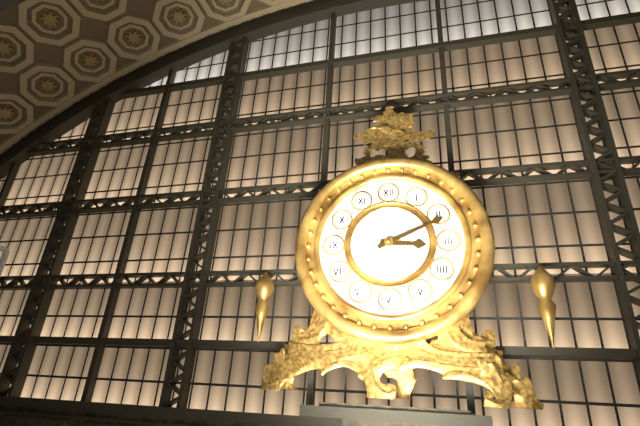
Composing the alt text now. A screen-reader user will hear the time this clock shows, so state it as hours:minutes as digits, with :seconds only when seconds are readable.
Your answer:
3:11
